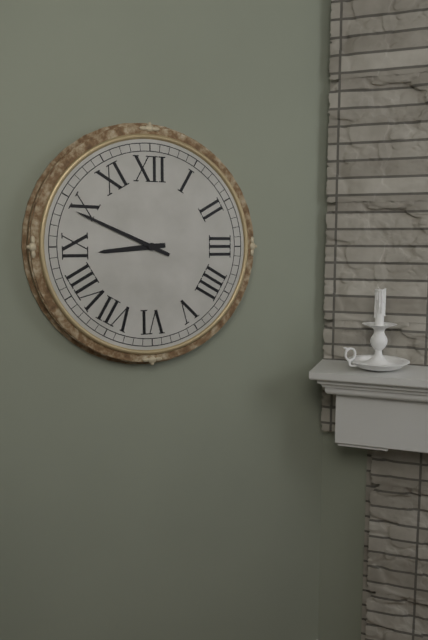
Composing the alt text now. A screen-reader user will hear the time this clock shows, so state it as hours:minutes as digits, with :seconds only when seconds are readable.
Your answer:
8:49
